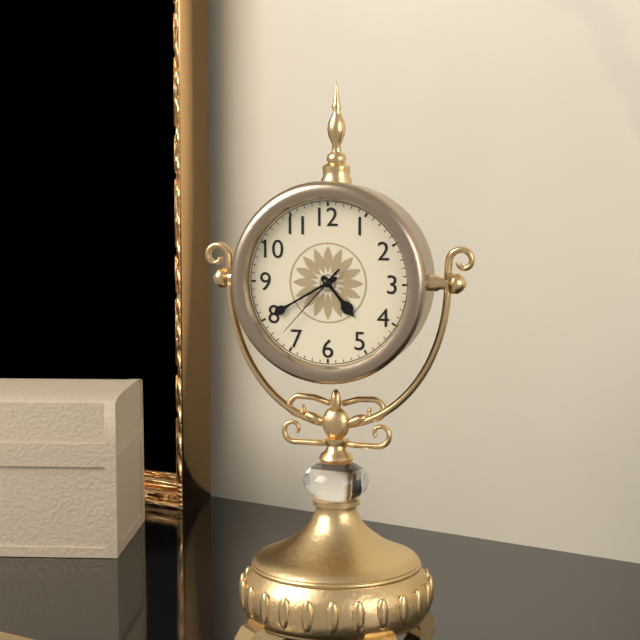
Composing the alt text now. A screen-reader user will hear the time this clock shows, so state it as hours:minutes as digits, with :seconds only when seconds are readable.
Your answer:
4:40:37
